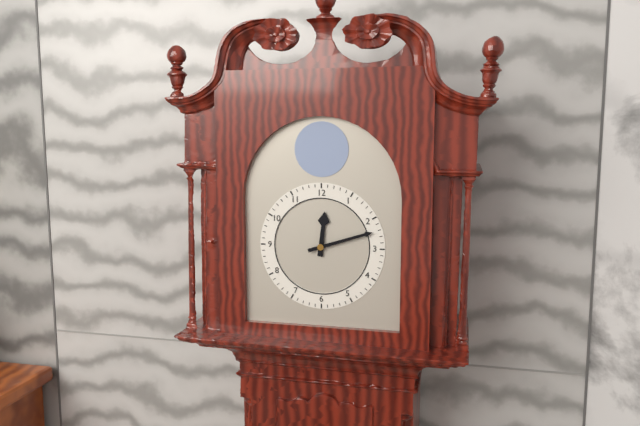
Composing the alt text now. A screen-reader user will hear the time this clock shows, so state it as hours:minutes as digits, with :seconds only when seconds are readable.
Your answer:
12:12
